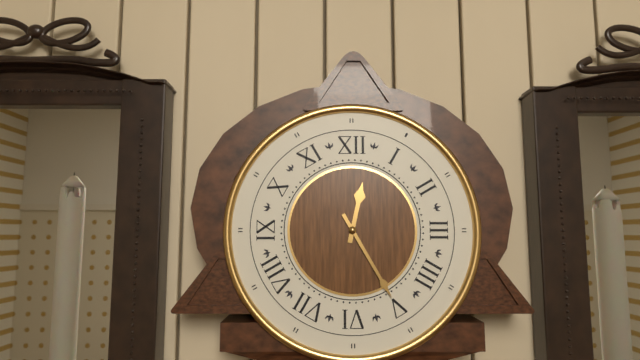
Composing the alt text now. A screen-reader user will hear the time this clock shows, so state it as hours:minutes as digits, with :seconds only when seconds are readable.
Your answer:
12:25
